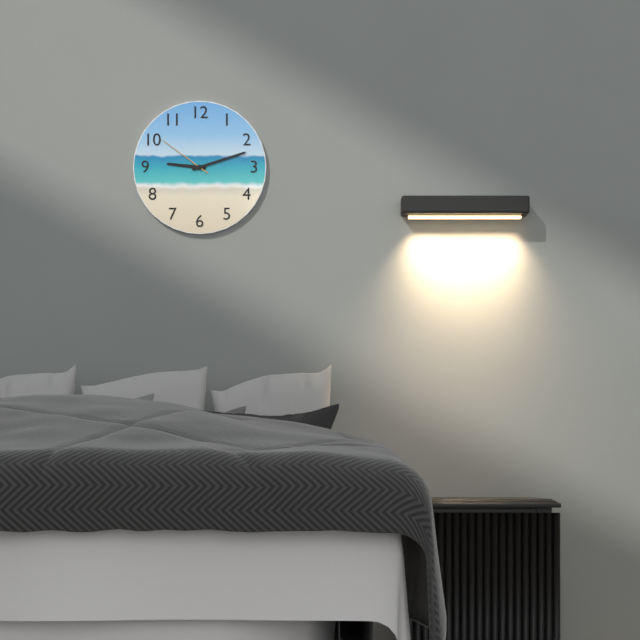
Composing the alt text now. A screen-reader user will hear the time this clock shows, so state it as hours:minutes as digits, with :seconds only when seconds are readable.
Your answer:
9:12:51
